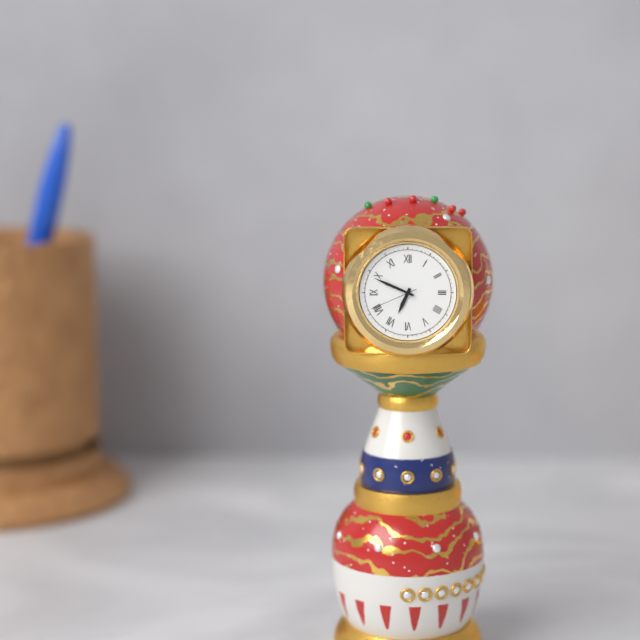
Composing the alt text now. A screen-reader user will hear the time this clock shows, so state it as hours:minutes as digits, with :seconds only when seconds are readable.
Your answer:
6:49
